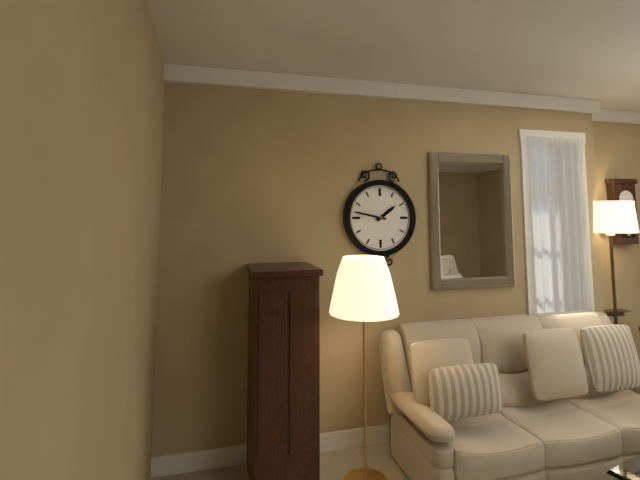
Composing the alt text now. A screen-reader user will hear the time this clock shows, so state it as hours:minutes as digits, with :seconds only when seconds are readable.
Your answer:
1:47
